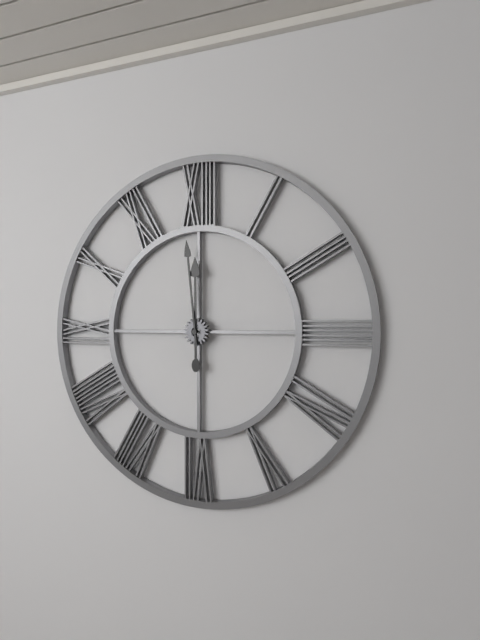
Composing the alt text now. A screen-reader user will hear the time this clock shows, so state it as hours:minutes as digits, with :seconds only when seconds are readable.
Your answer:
11:59
